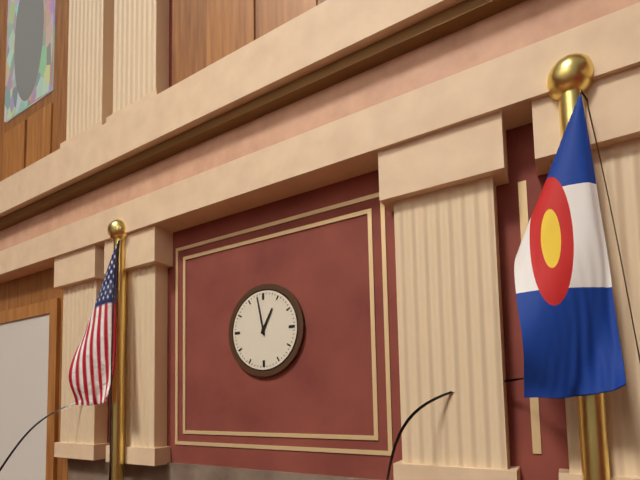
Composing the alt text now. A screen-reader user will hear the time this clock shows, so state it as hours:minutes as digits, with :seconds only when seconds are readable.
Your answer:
12:58
